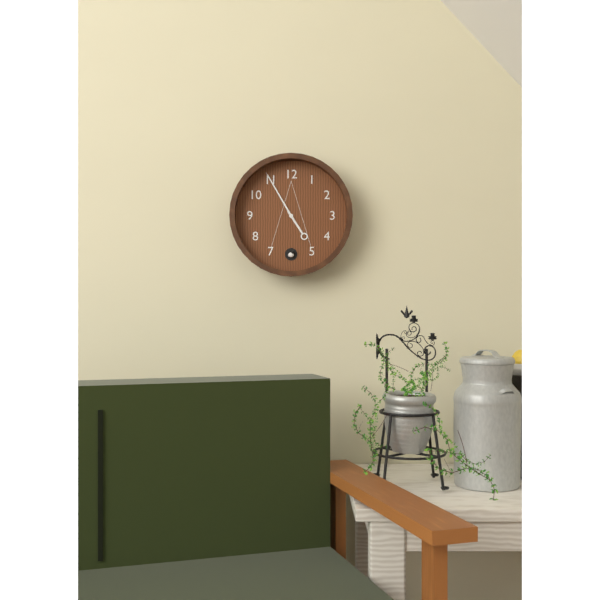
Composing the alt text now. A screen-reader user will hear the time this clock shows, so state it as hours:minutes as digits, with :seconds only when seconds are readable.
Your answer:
4:55
